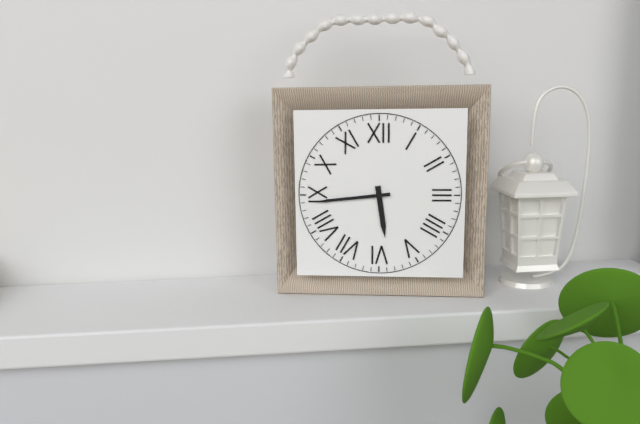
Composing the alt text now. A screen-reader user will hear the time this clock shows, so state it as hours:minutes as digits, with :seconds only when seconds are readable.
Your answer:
5:44
